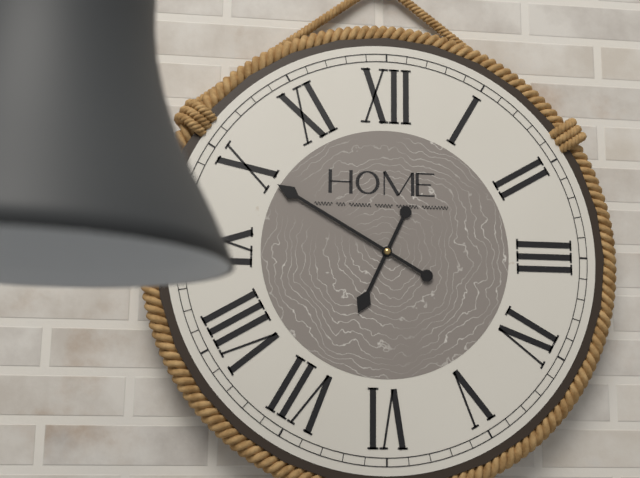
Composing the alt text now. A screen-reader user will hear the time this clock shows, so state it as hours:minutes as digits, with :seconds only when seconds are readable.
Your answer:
6:50
